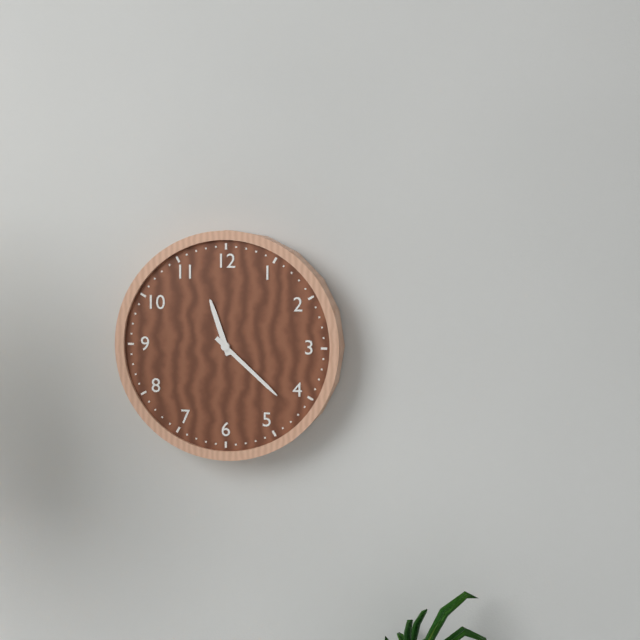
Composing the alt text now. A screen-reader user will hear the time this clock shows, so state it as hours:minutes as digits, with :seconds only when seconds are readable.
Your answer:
11:22
